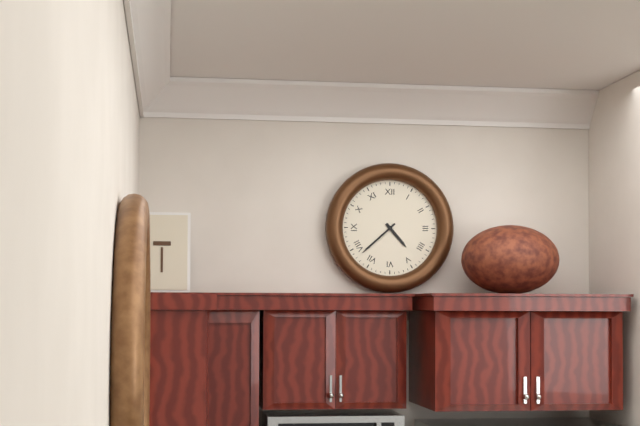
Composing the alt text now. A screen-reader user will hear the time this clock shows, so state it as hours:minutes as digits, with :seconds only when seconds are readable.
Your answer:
4:38
